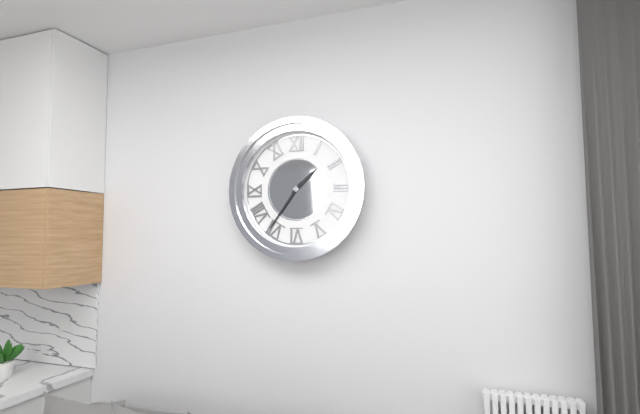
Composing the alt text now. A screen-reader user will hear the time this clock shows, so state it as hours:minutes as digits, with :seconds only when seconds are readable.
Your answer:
1:36
